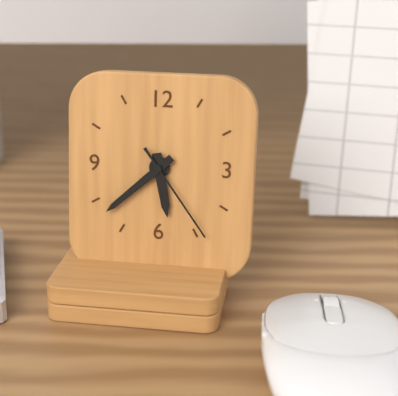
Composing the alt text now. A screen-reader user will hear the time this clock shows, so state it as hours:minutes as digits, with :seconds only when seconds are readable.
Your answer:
5:38:24
